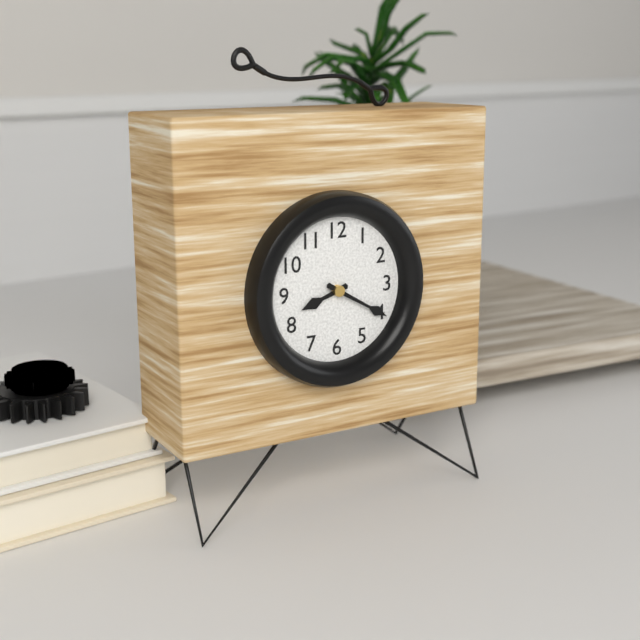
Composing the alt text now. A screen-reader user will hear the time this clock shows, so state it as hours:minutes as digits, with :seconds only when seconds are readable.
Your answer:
8:20
